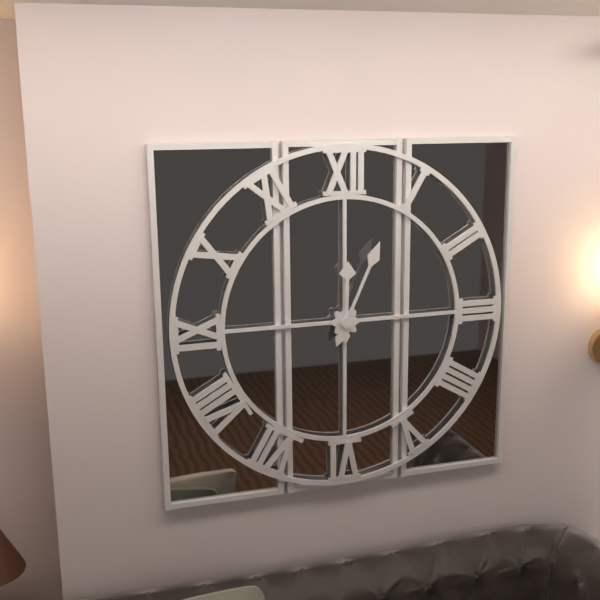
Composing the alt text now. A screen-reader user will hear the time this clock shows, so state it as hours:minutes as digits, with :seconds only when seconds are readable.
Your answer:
12:04
